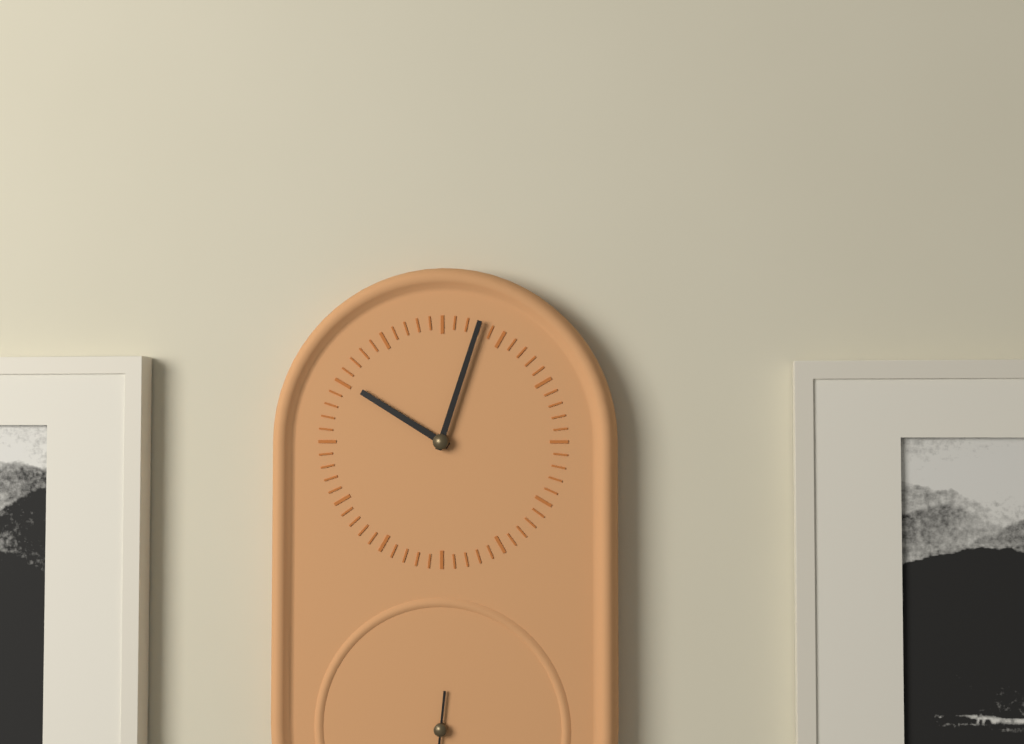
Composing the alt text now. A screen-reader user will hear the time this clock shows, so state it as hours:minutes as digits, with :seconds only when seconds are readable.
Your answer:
10:03
